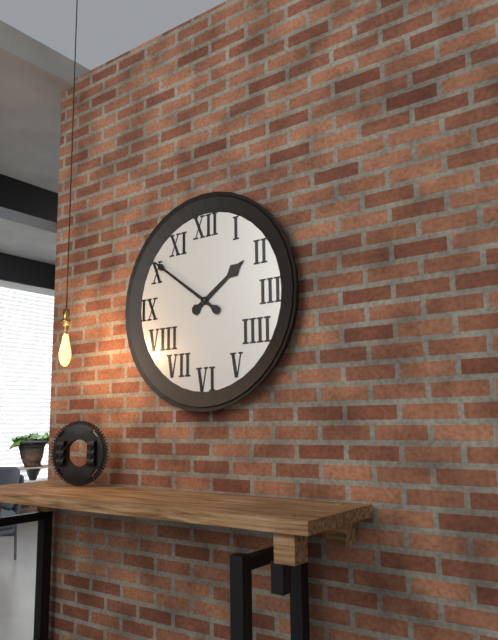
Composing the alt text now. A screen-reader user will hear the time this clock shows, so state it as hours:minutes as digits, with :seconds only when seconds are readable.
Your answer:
1:51
